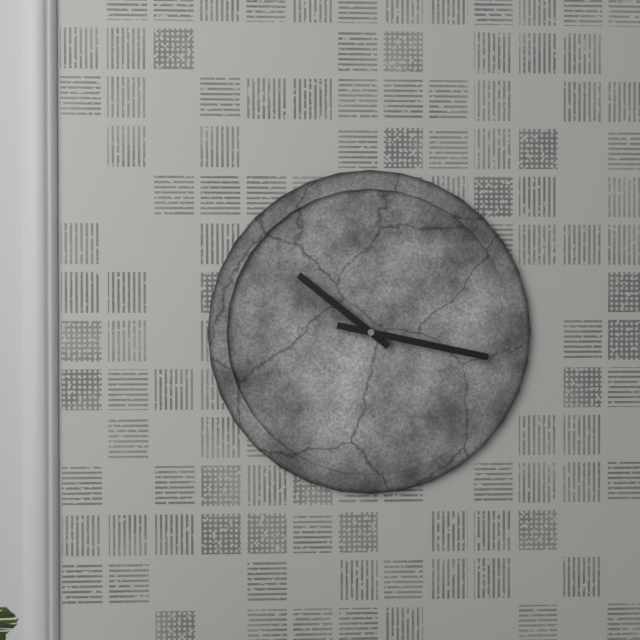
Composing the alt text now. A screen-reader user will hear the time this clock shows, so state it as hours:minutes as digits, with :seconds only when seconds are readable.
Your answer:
10:17
